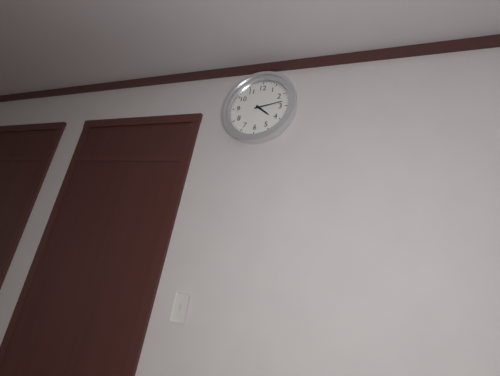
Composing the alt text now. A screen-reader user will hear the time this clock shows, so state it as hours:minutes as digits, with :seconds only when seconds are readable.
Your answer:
4:13
